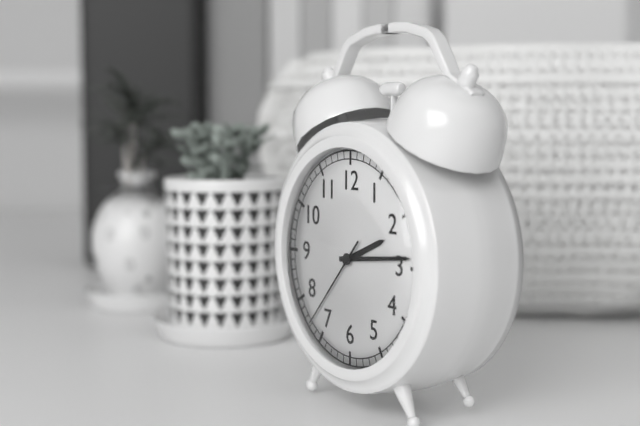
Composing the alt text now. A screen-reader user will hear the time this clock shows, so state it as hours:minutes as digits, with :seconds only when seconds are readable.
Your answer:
2:14:37
